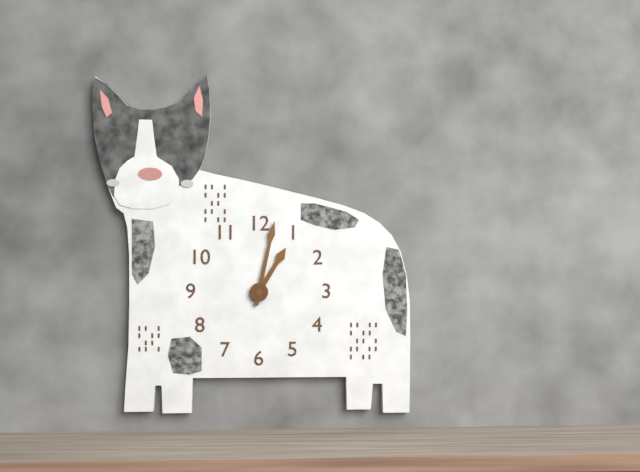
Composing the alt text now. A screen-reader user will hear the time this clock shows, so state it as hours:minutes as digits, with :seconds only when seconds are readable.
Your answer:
1:02
